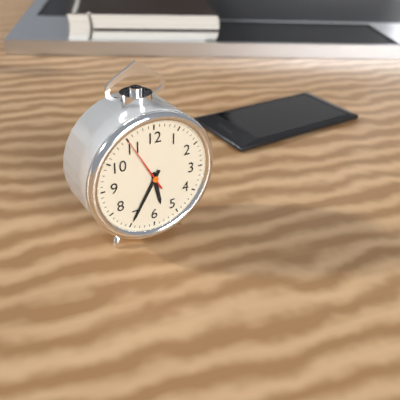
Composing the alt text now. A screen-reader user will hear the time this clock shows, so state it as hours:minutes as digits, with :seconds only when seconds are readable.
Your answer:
5:35:55
